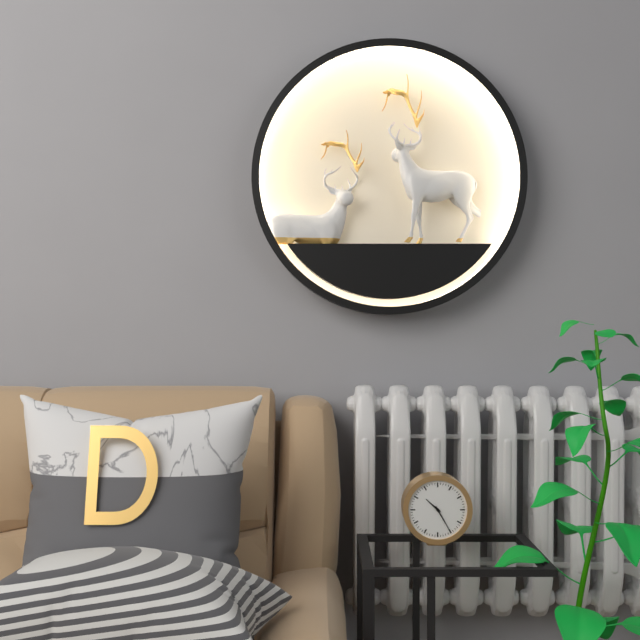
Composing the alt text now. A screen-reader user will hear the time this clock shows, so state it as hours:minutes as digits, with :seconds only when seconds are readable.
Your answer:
10:25
